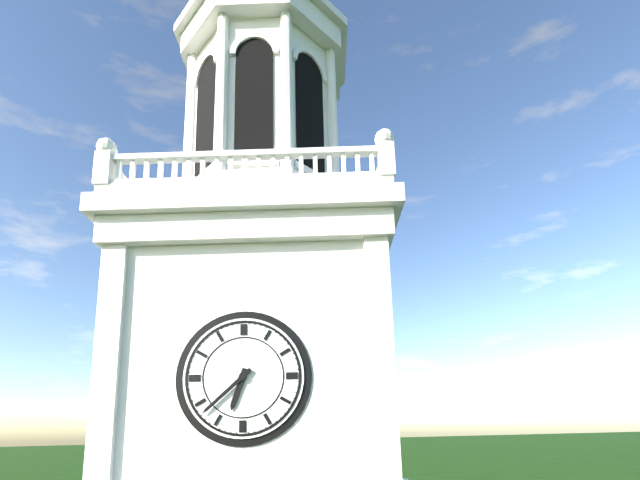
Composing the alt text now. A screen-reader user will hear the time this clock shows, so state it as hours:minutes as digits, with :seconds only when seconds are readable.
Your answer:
6:38
